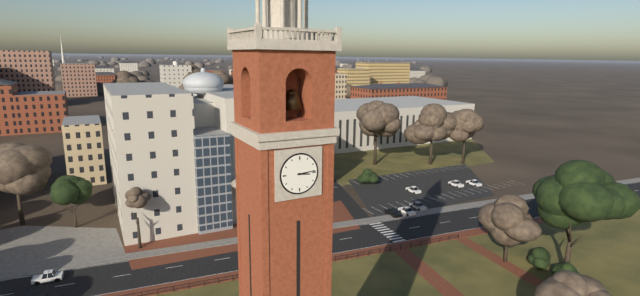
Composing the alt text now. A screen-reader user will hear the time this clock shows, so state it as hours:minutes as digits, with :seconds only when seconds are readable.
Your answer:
3:14
